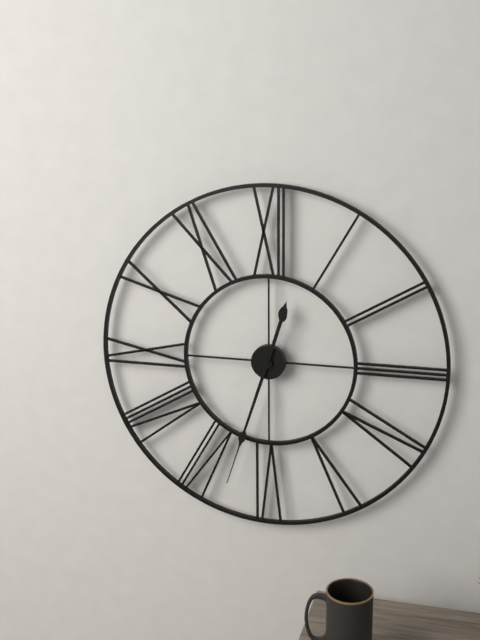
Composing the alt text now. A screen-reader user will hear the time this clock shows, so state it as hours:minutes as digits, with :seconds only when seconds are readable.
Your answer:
12:33
